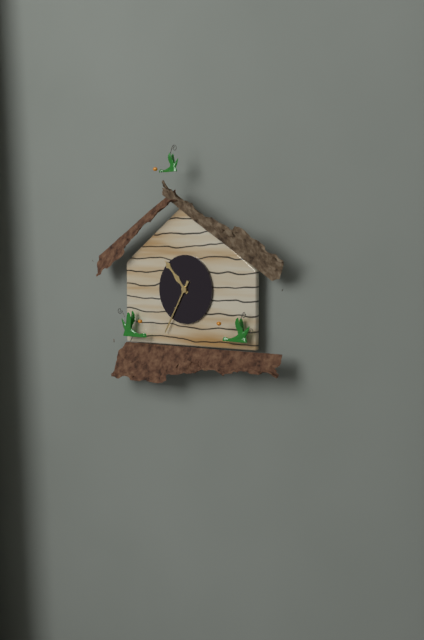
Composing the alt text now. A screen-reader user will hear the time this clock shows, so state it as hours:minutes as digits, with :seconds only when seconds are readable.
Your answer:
10:35
